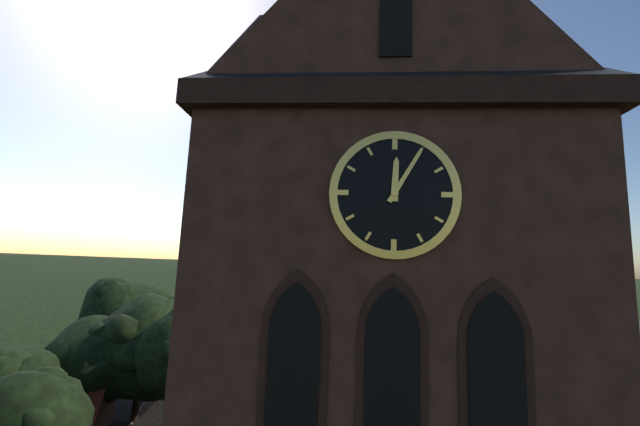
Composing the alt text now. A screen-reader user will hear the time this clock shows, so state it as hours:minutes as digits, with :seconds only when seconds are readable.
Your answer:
12:05
